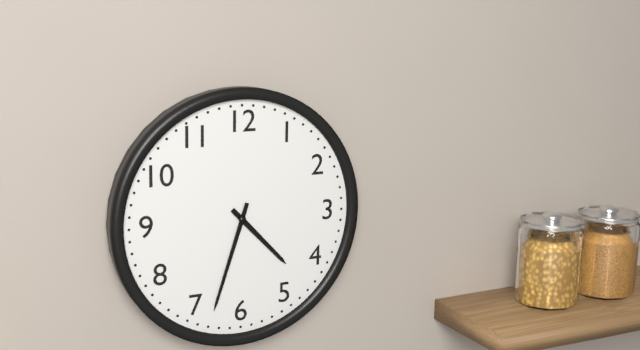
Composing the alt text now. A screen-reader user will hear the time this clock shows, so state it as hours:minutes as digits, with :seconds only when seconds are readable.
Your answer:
4:33
